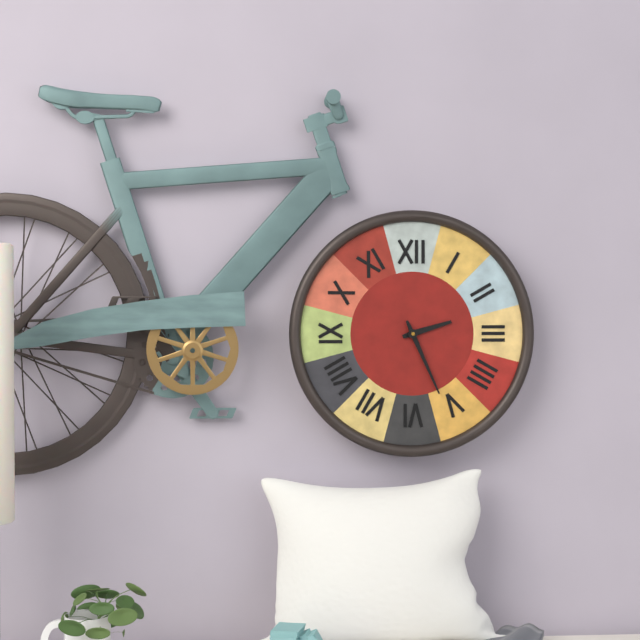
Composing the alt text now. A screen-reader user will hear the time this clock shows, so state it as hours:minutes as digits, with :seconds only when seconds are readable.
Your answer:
2:26
